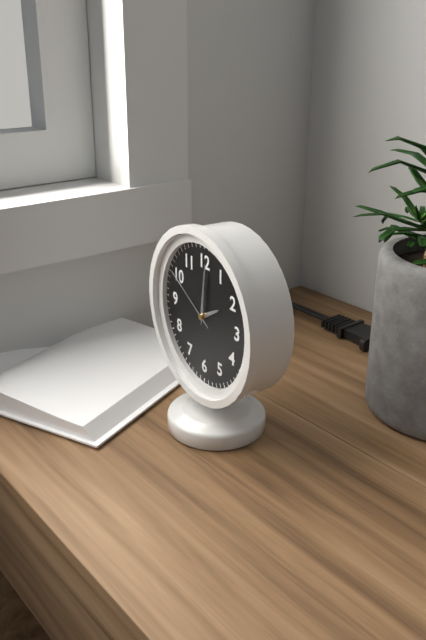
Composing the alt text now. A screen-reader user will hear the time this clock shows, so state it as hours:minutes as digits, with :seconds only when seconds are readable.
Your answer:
2:01:50
